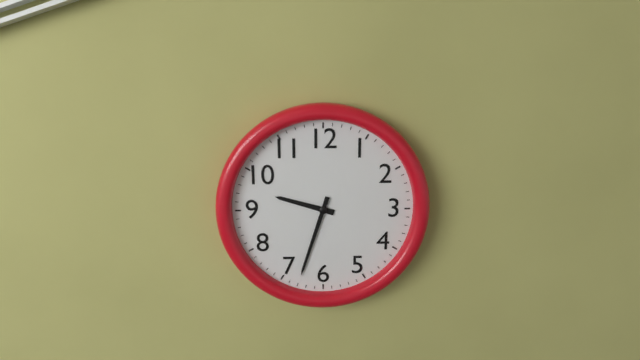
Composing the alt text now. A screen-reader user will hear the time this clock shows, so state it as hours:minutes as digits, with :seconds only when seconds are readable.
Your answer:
9:33
